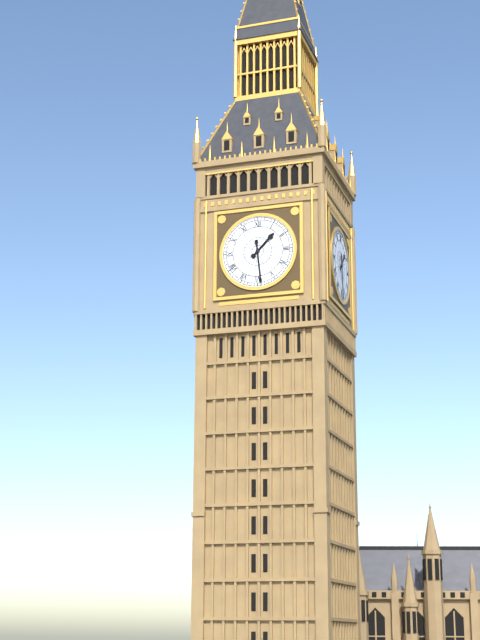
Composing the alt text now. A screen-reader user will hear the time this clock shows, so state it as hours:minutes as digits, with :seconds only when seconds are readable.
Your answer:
1:29
